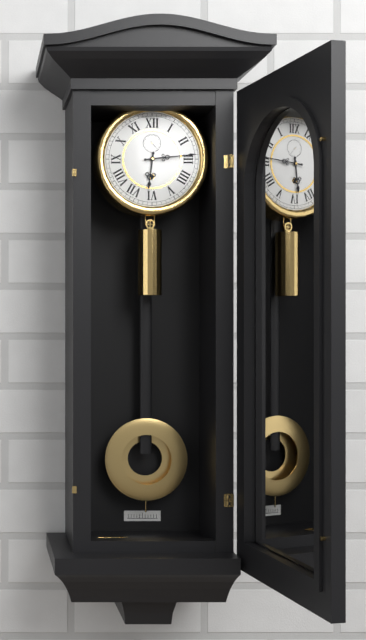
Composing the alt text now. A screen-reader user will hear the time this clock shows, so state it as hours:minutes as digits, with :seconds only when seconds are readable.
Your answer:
6:14
